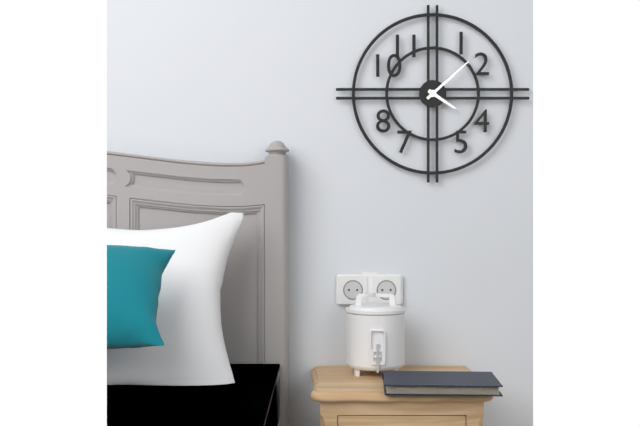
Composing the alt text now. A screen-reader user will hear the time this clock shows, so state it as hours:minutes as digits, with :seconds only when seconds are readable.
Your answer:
4:08
